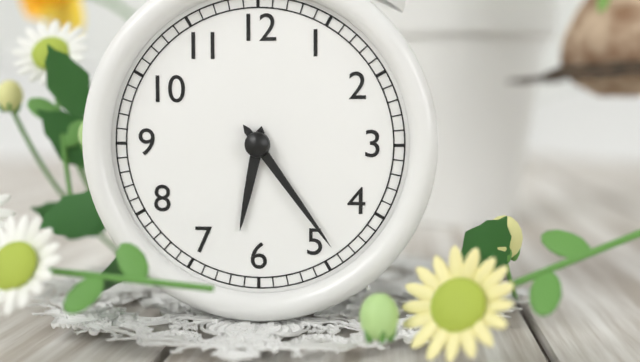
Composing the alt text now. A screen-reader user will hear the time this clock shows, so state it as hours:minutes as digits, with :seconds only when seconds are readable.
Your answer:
6:24
